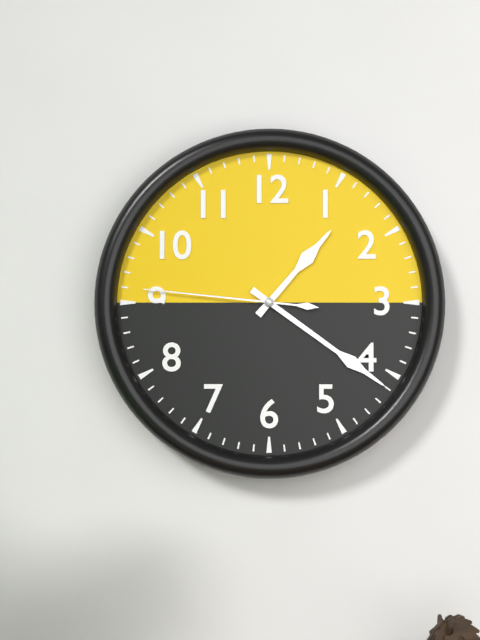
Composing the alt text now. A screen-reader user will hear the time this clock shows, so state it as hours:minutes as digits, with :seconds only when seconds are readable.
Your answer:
1:21:46
